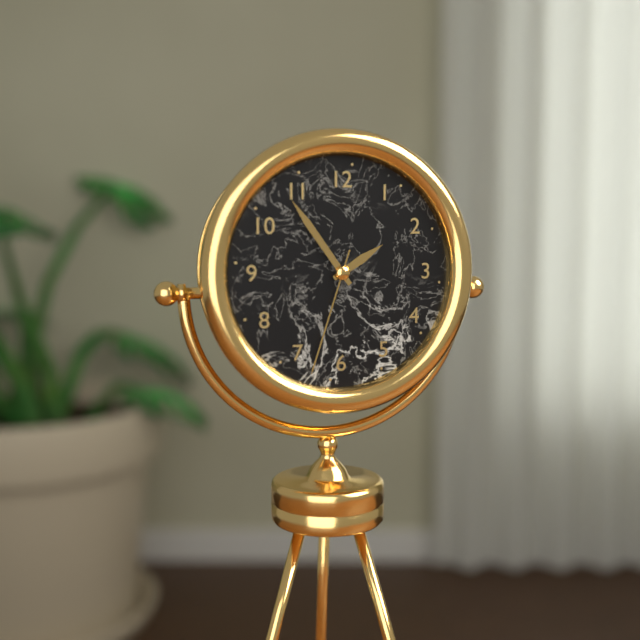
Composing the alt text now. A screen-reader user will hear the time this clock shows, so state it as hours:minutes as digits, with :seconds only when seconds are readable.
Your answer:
1:54:33
